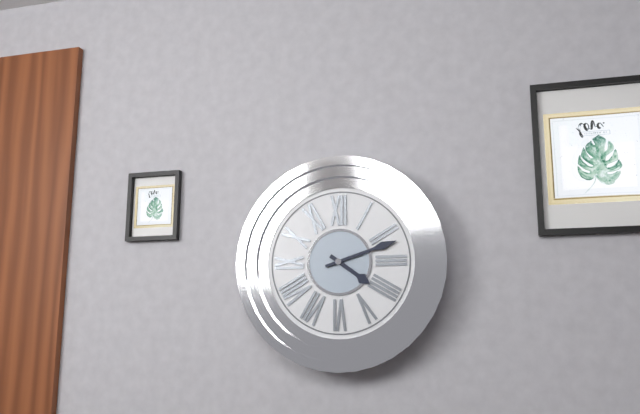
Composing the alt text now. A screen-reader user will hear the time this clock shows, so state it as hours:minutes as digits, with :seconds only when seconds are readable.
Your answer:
4:12
